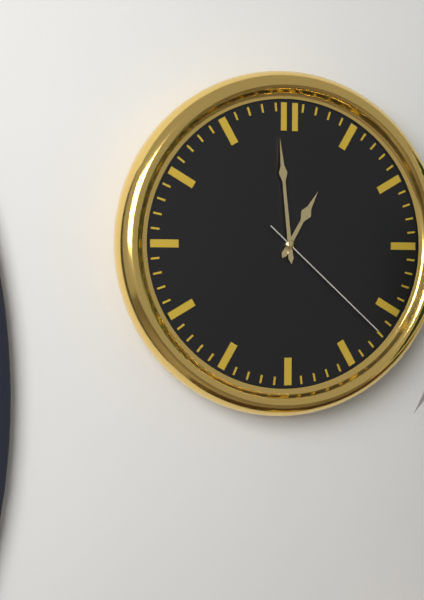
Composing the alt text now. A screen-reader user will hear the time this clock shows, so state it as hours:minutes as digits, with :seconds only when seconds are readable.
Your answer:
12:59:22
